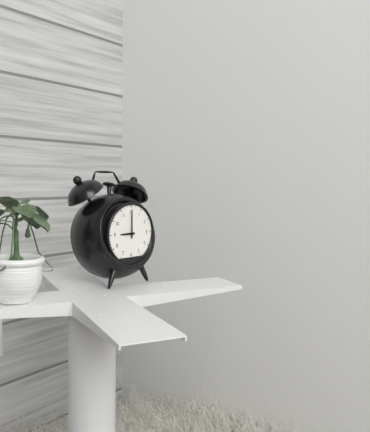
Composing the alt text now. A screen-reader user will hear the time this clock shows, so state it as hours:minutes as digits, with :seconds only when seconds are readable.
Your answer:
9:00
